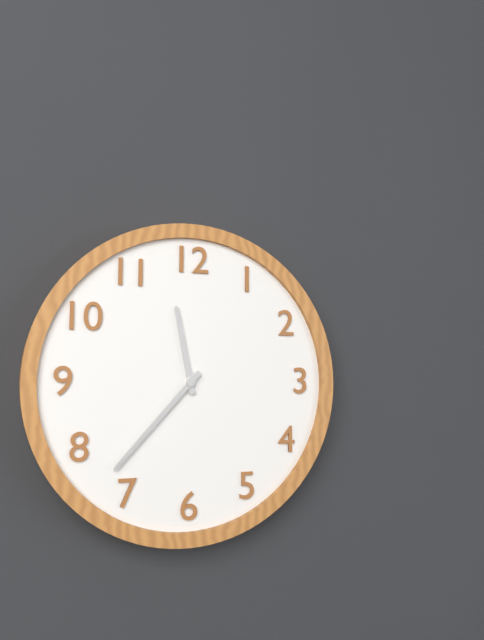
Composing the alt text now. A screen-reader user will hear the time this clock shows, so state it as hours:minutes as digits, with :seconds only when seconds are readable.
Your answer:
11:37
